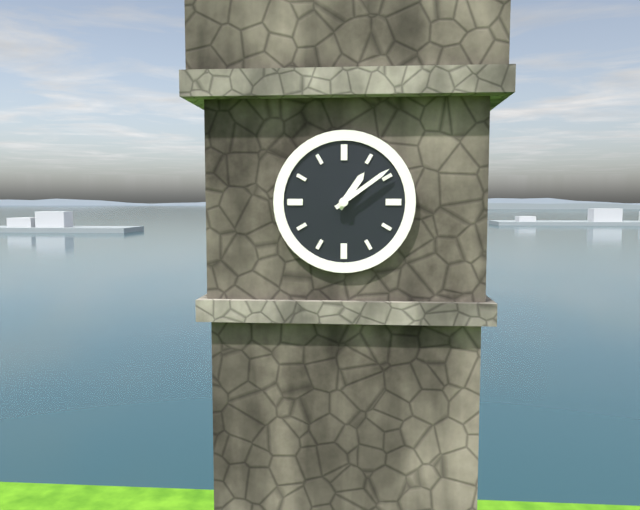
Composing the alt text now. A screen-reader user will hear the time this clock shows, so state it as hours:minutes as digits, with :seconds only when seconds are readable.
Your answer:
1:09
